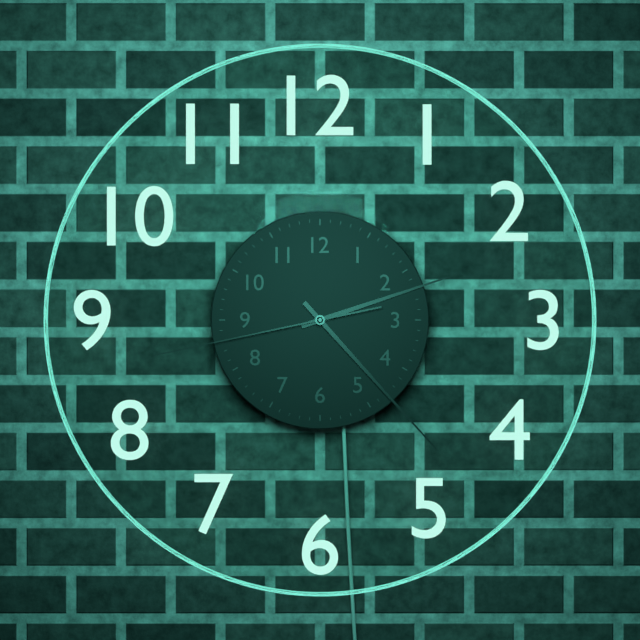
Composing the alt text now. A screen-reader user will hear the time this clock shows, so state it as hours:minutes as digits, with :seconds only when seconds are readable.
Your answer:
2:23:43
